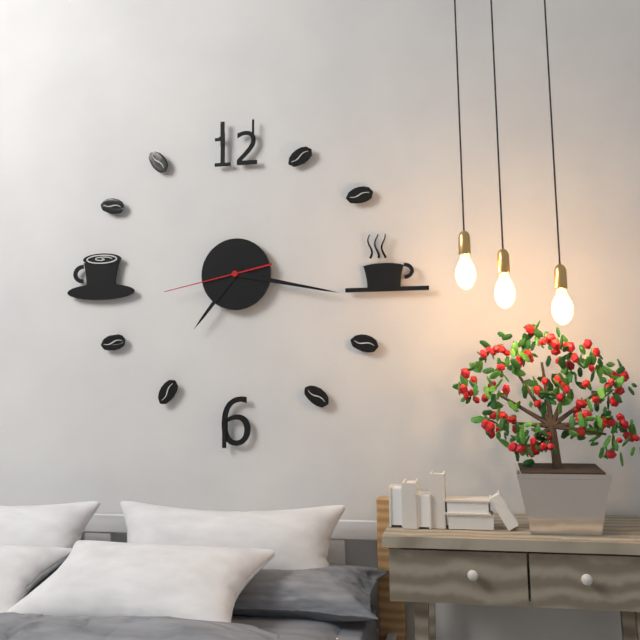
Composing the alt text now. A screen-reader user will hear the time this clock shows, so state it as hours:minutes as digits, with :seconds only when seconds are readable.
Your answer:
7:17:43
